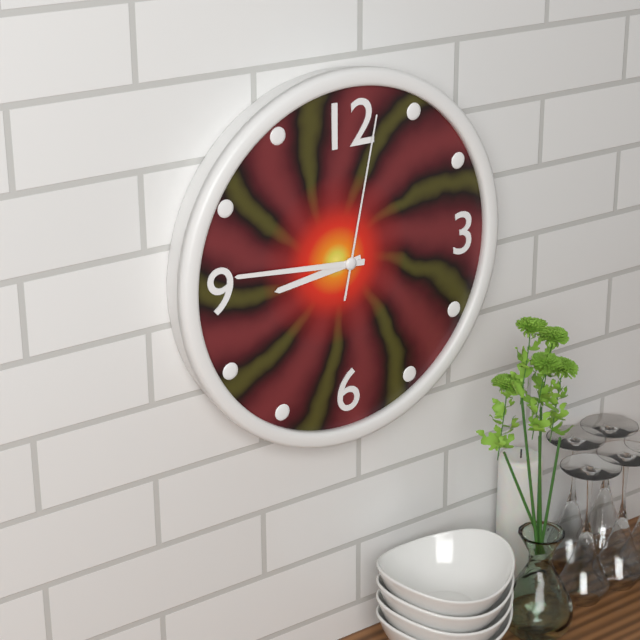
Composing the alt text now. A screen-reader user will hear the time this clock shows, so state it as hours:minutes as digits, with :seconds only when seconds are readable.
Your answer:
8:46:02
